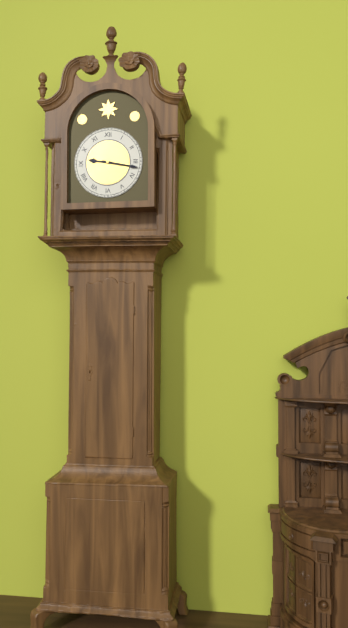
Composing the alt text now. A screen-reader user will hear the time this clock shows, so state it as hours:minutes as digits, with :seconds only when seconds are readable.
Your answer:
9:17
